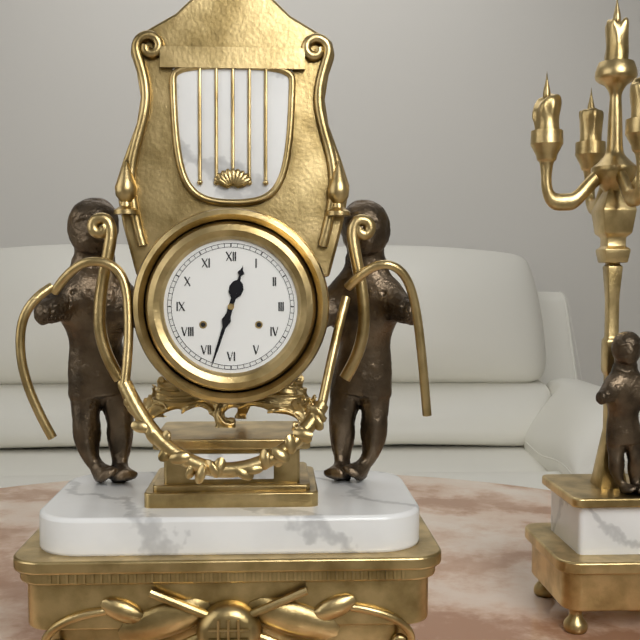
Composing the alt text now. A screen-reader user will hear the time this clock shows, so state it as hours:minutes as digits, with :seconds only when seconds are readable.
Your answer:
12:33
